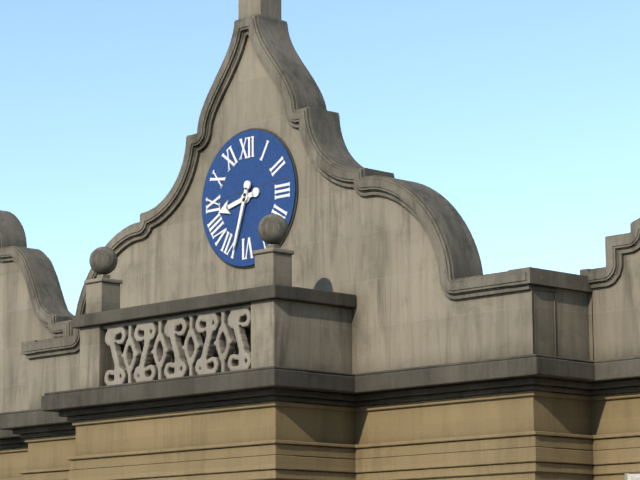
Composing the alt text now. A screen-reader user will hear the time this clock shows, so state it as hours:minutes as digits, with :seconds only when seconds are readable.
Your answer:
8:33
